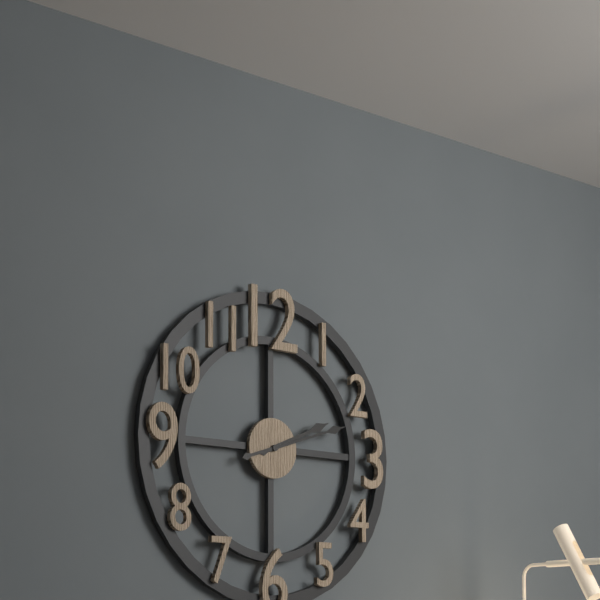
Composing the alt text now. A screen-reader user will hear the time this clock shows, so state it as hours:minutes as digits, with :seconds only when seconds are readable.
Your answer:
2:12
